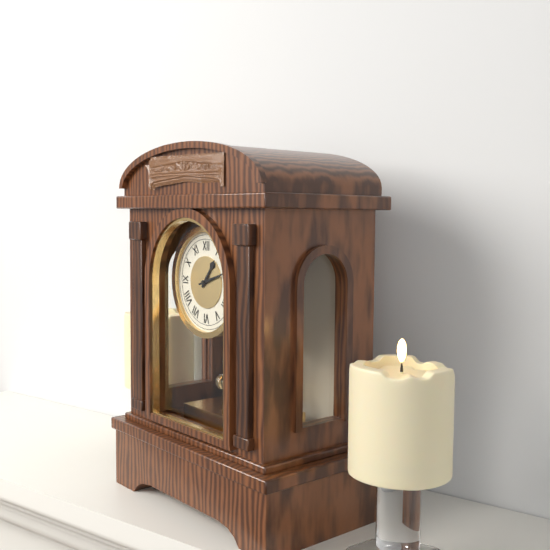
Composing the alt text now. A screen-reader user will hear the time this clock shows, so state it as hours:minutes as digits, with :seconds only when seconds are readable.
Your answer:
1:12
